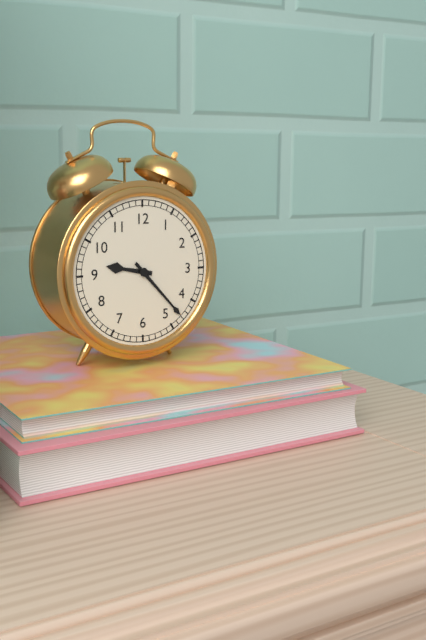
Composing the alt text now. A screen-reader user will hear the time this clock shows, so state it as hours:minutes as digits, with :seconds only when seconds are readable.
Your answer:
9:23
